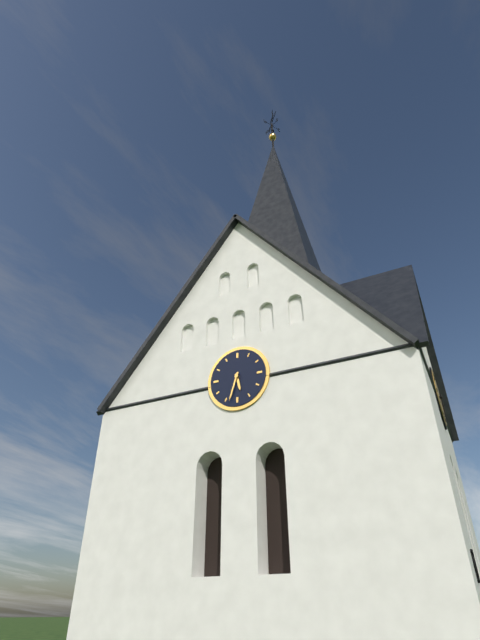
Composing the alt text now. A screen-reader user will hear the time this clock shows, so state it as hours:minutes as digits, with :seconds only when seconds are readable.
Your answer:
5:33
